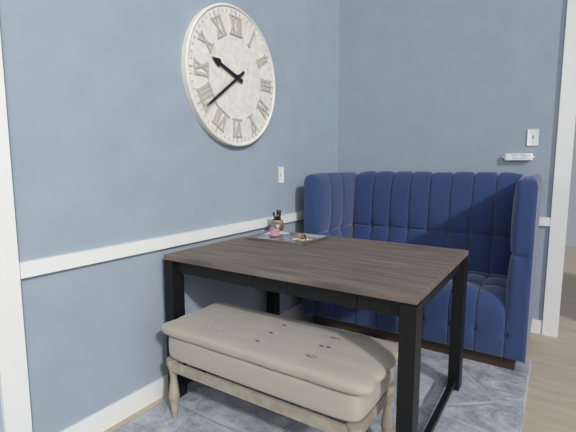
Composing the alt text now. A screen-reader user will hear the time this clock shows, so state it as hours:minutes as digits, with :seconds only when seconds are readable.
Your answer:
9:39
